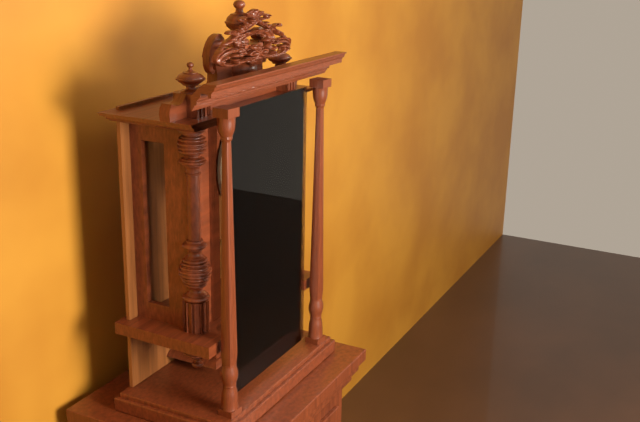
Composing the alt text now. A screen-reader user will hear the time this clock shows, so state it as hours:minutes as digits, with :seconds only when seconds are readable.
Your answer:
12:49
